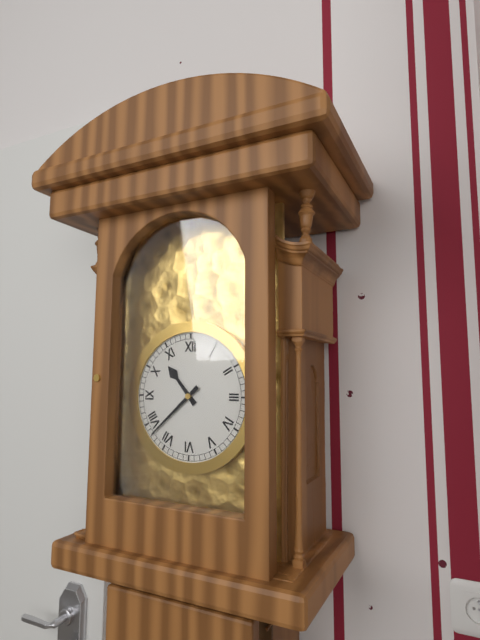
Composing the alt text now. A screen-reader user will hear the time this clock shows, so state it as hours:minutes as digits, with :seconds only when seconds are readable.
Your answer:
10:38
